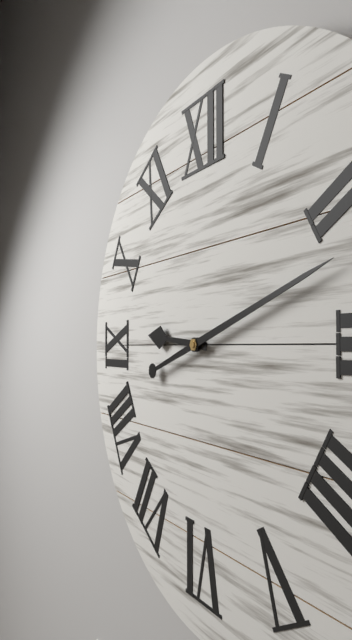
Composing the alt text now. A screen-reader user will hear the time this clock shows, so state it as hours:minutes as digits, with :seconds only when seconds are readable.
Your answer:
9:12
